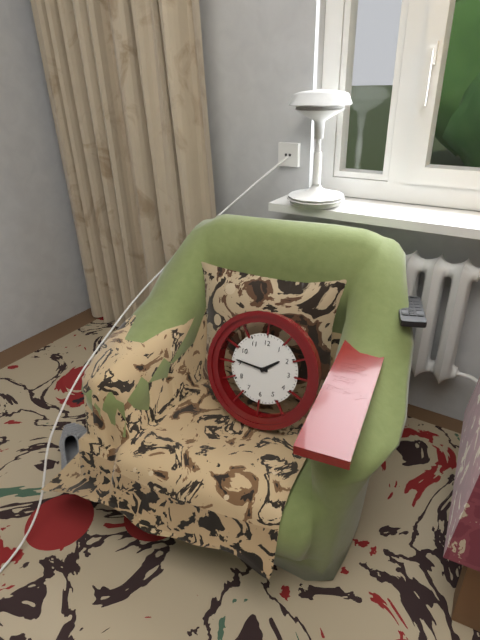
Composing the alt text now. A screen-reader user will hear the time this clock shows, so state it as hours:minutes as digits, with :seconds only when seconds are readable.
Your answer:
1:46
